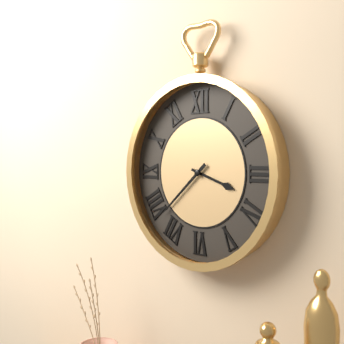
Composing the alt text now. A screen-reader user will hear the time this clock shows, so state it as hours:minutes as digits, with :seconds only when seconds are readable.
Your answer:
3:38
